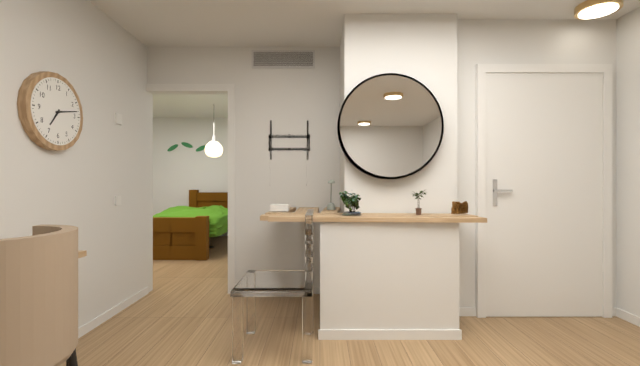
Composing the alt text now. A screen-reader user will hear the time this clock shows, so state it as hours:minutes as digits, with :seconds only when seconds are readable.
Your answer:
7:13
